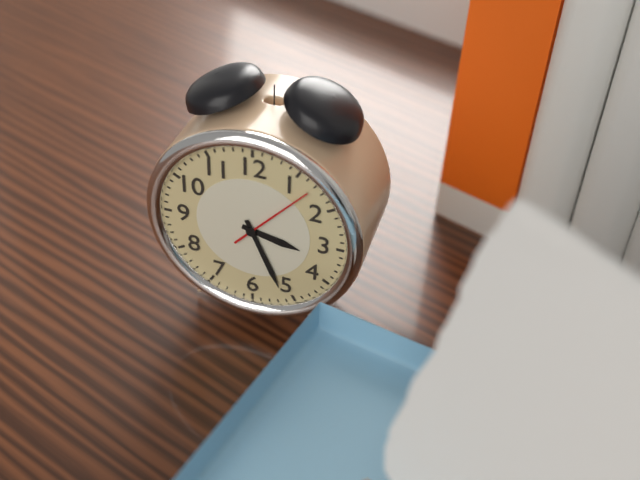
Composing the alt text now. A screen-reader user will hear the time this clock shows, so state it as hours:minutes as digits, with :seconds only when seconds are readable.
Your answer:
3:26:07
